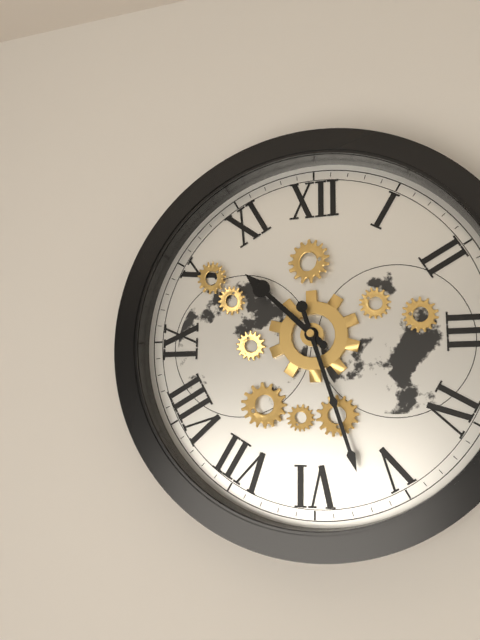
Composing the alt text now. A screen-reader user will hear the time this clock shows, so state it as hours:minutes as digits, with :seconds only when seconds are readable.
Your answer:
10:27
